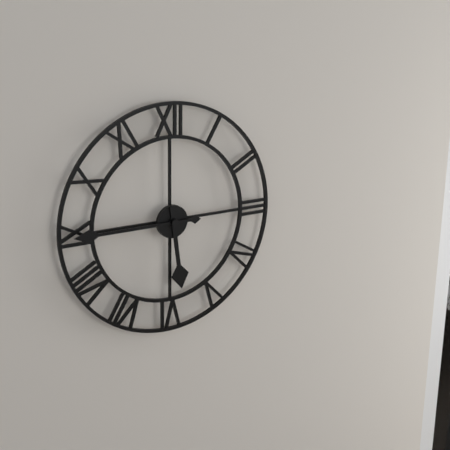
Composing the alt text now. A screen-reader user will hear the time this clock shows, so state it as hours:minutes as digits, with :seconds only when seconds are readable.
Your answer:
5:45
